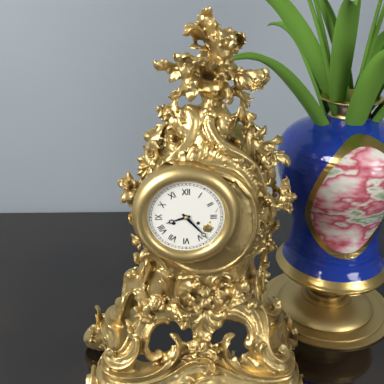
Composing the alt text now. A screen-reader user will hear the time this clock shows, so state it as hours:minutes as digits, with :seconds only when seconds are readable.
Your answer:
8:23
